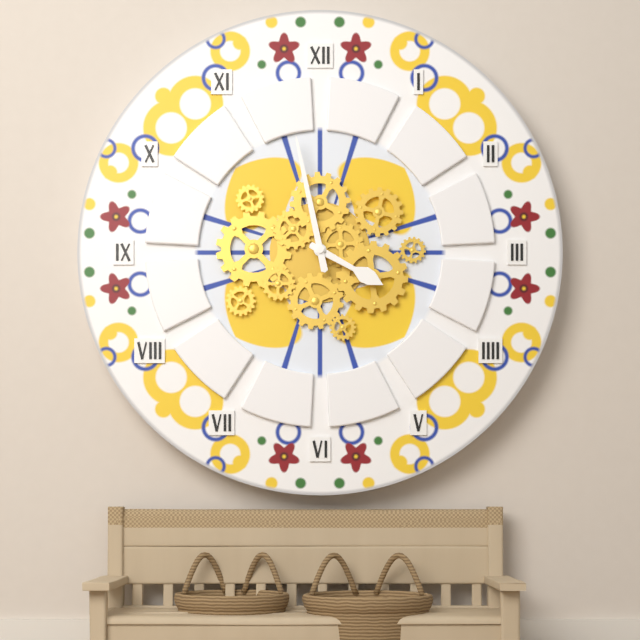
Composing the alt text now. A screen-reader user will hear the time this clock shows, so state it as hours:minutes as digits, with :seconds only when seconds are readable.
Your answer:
3:58
